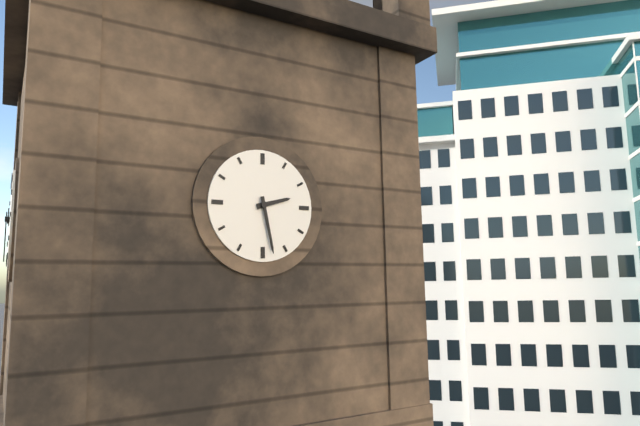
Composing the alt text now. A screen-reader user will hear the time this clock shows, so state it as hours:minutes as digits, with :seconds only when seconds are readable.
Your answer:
2:28
